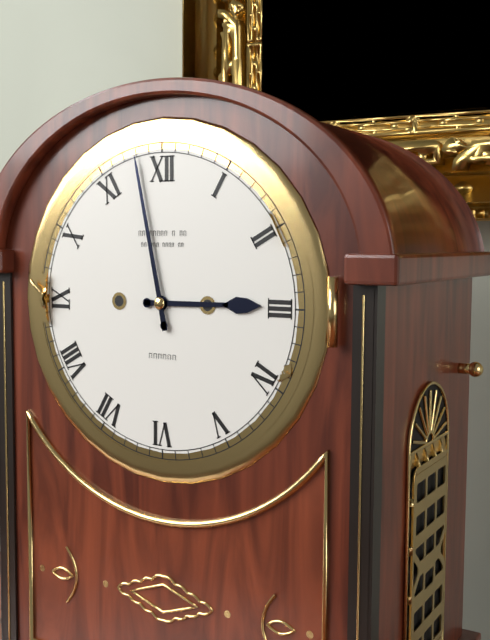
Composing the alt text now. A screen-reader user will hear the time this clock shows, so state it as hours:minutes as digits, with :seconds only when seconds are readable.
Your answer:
2:58
